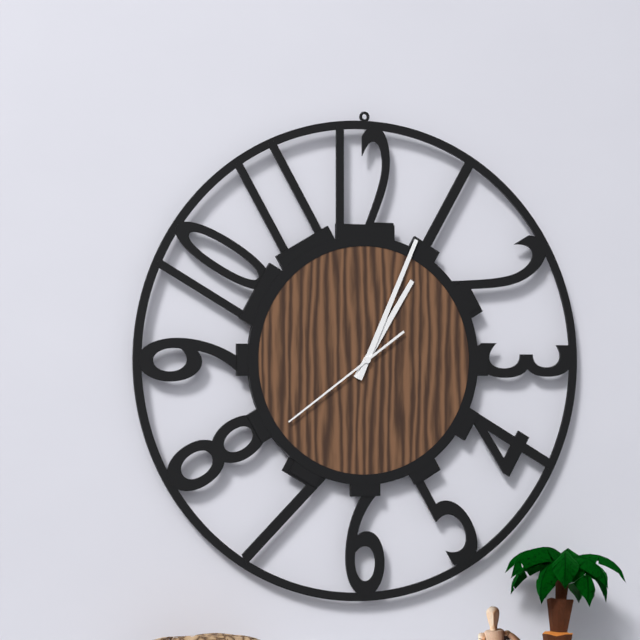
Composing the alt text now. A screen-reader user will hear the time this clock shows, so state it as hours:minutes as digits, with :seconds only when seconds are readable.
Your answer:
1:04:39
